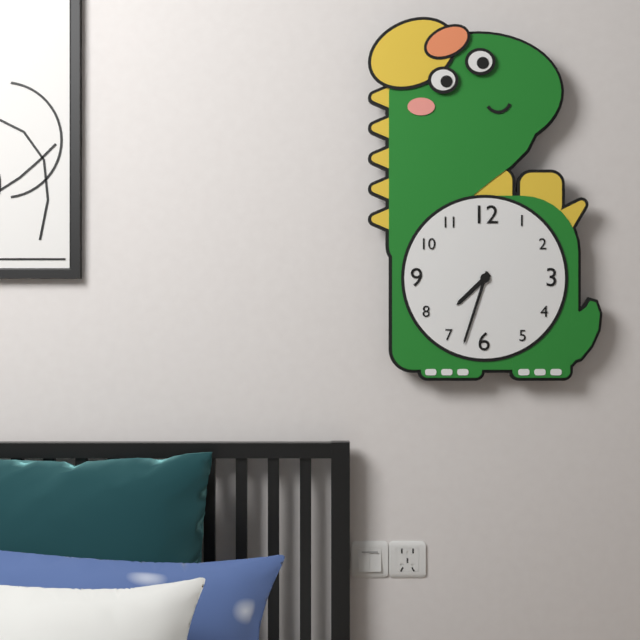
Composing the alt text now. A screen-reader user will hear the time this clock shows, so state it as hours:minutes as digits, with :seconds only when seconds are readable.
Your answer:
7:33
